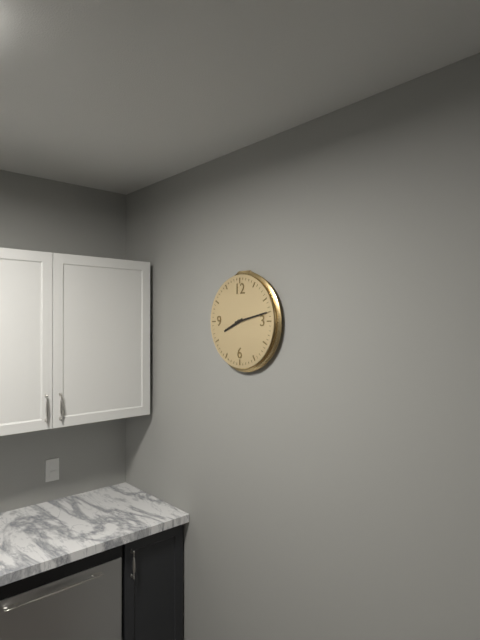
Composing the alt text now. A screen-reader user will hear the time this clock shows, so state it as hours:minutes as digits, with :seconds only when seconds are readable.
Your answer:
8:13
